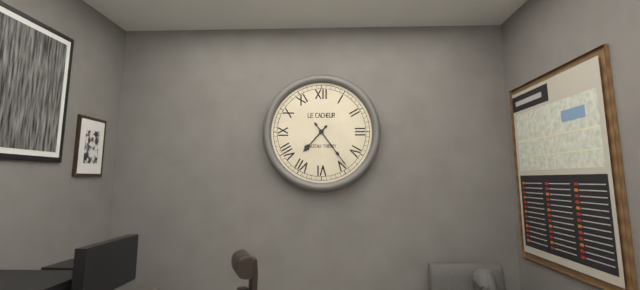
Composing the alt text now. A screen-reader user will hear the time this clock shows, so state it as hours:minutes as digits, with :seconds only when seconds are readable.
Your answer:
7:24
